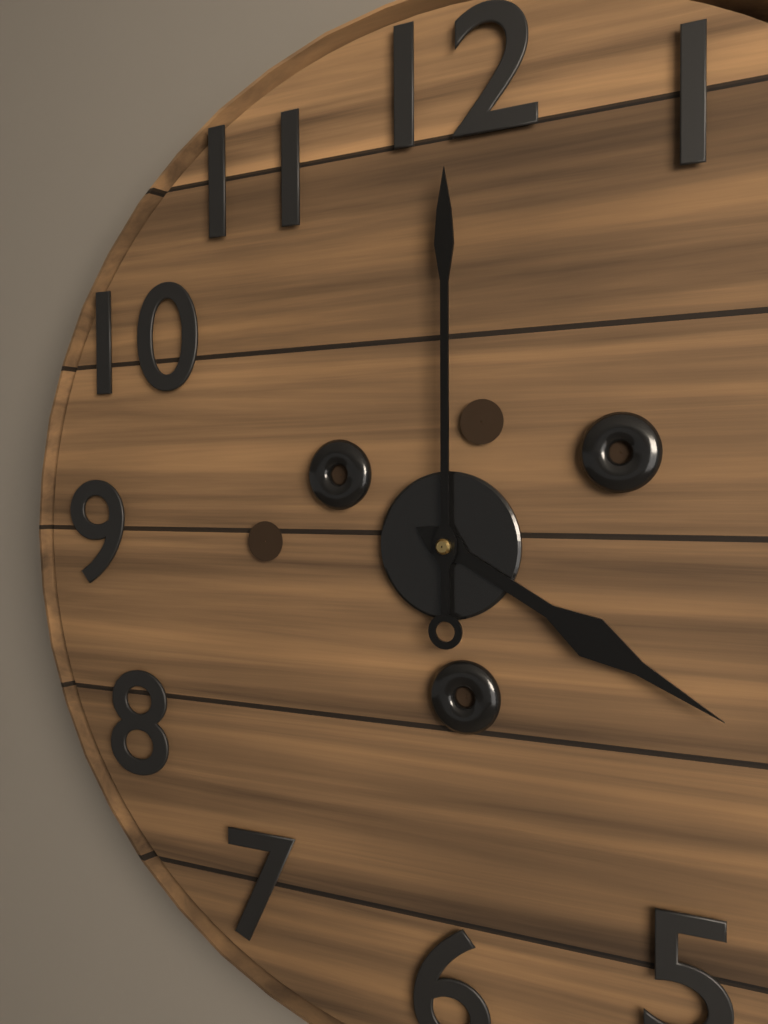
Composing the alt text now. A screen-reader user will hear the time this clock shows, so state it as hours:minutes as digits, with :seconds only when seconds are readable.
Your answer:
4:00
